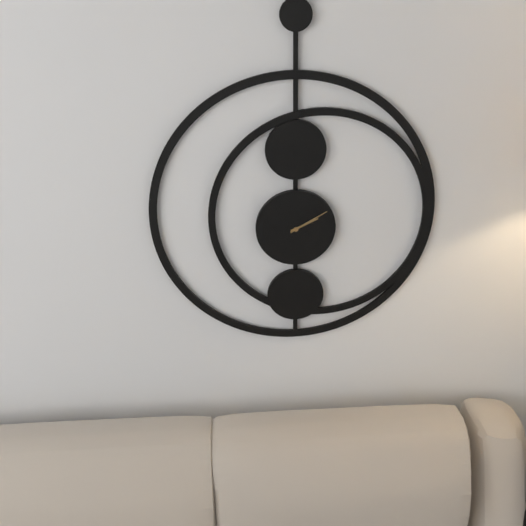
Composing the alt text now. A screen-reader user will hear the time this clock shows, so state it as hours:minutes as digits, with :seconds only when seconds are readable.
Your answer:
2:10
